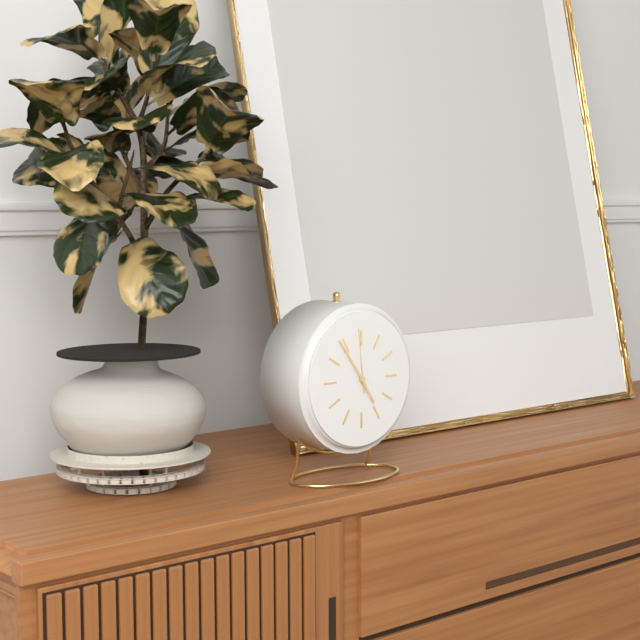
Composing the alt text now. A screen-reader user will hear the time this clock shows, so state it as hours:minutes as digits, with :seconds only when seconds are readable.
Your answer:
4:54:59
